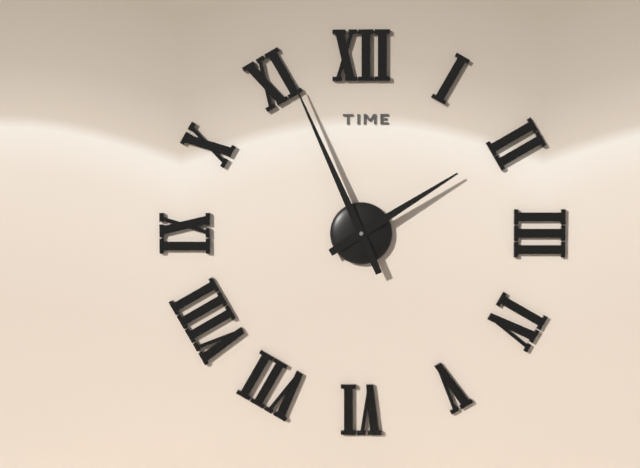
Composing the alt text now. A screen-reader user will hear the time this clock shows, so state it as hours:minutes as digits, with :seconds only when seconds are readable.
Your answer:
1:56
